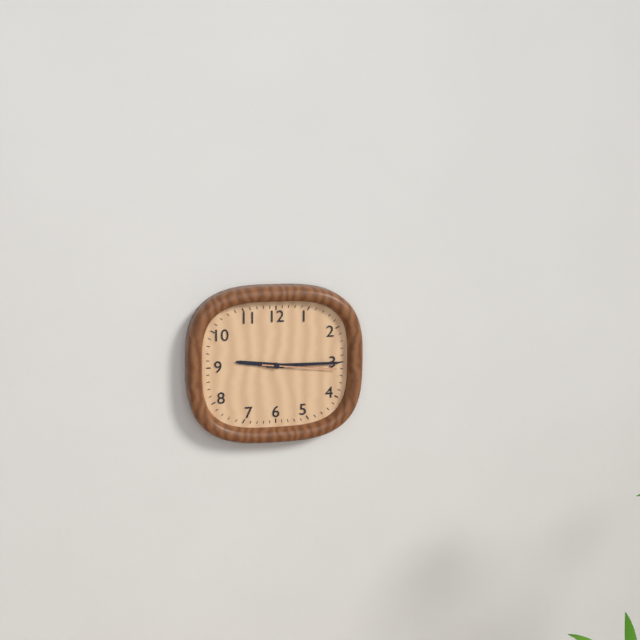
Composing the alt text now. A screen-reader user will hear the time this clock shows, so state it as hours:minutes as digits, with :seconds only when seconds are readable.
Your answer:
9:15:16
